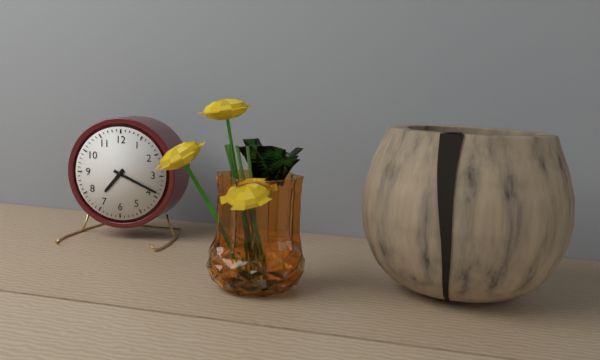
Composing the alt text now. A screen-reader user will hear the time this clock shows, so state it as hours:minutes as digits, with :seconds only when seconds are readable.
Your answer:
7:19
